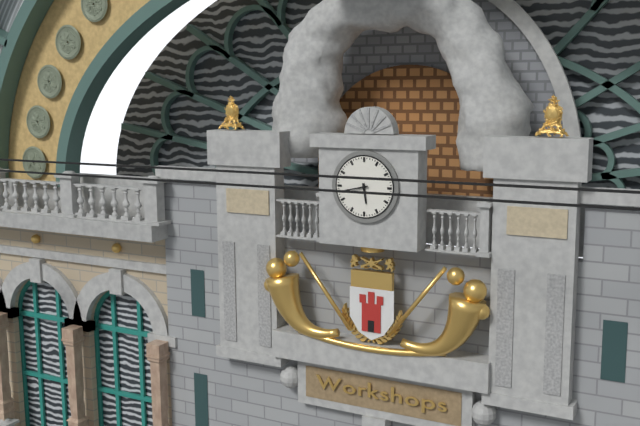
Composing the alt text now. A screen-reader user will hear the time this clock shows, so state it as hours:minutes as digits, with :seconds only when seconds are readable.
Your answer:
5:43
